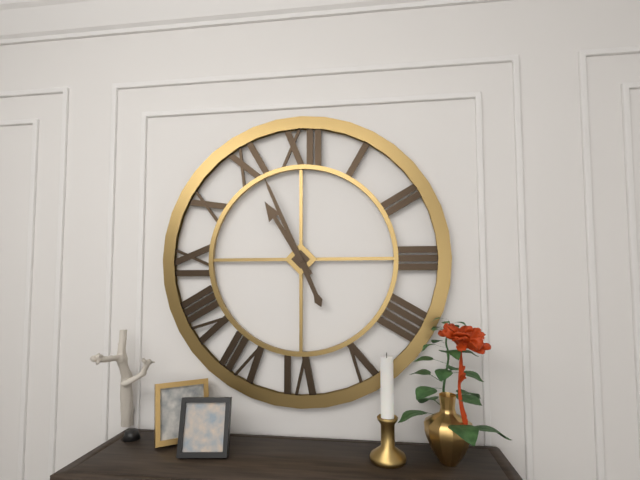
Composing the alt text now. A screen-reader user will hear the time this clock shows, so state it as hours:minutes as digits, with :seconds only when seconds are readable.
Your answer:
10:56
